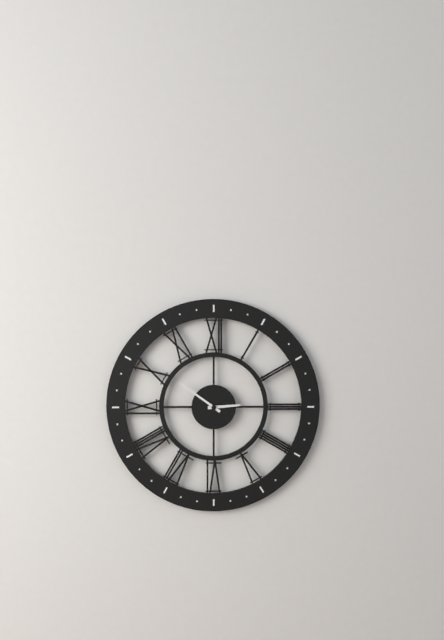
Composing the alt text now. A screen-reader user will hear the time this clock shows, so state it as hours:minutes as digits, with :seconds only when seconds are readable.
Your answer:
2:51
